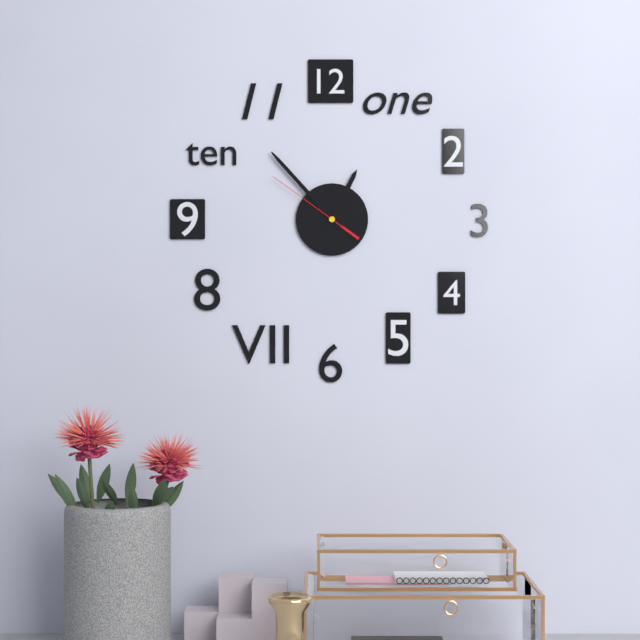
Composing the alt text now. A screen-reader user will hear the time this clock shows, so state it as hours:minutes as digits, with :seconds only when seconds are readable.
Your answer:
12:53:51
